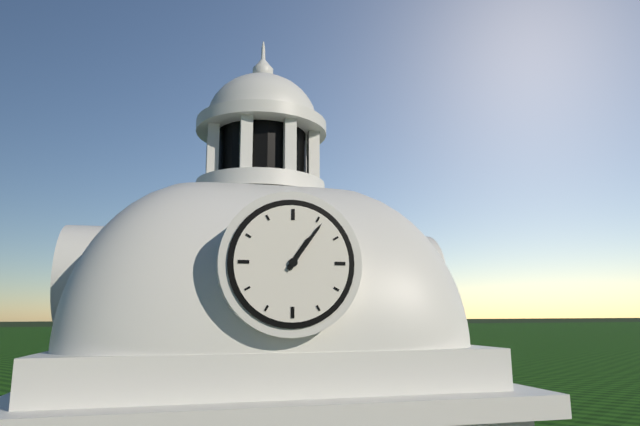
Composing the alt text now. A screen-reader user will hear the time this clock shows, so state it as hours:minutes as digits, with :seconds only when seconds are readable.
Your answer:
1:06
